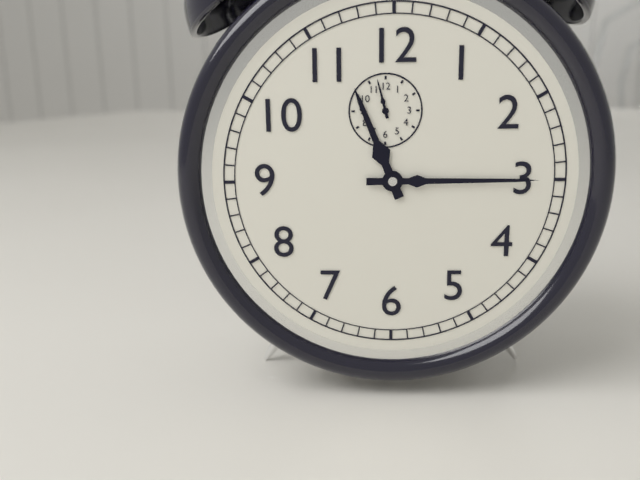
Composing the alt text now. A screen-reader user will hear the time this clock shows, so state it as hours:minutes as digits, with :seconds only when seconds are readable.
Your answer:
11:15
